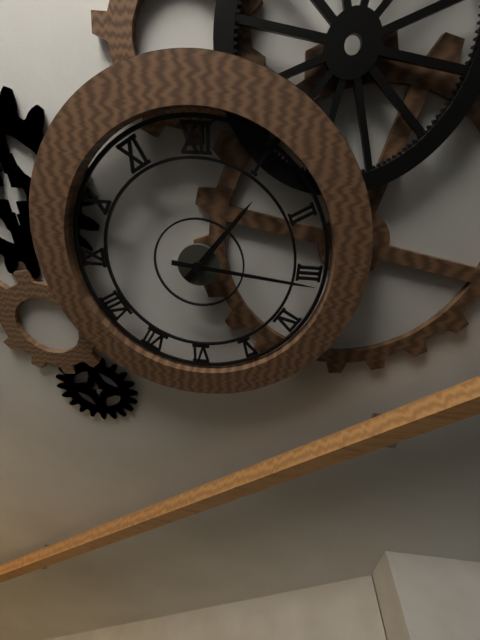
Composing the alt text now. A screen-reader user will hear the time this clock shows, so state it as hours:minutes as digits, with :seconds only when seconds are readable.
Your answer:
1:16
